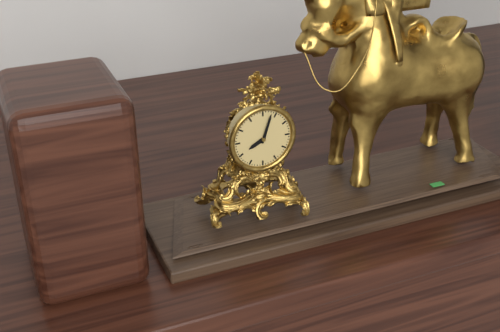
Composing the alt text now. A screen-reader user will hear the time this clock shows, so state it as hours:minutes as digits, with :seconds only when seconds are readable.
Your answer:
8:03
